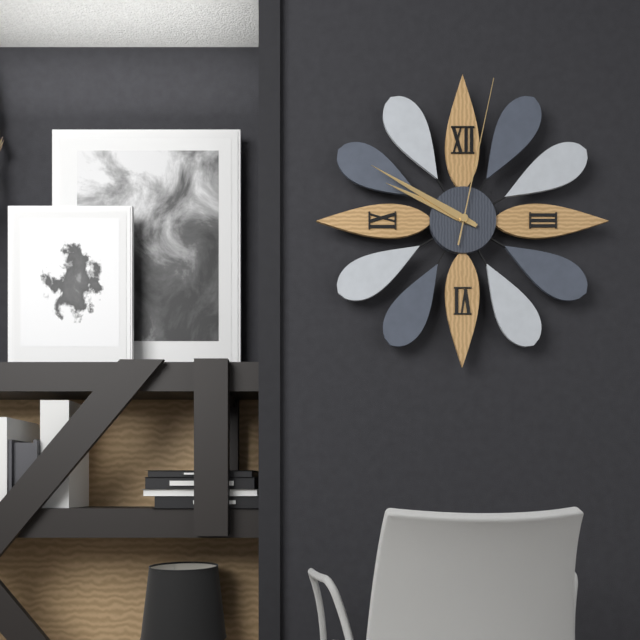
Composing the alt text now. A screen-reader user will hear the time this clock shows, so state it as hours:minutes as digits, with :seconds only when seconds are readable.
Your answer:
9:50:02
